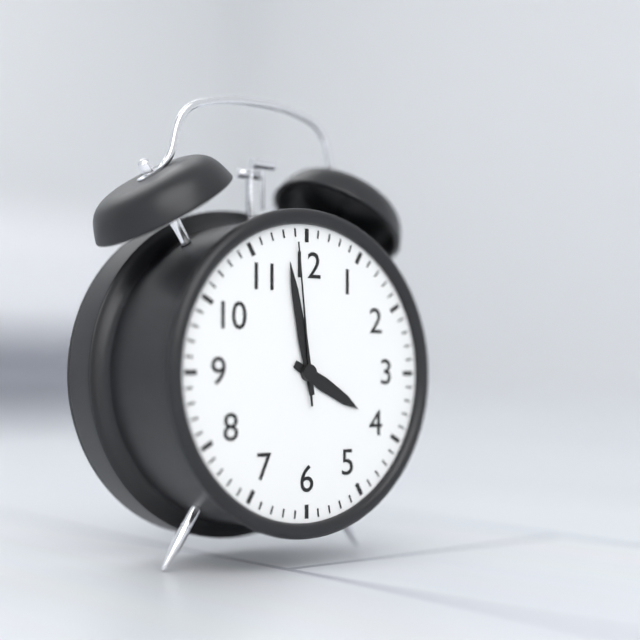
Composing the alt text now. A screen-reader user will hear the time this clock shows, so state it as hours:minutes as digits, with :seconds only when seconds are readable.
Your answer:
3:58:59
